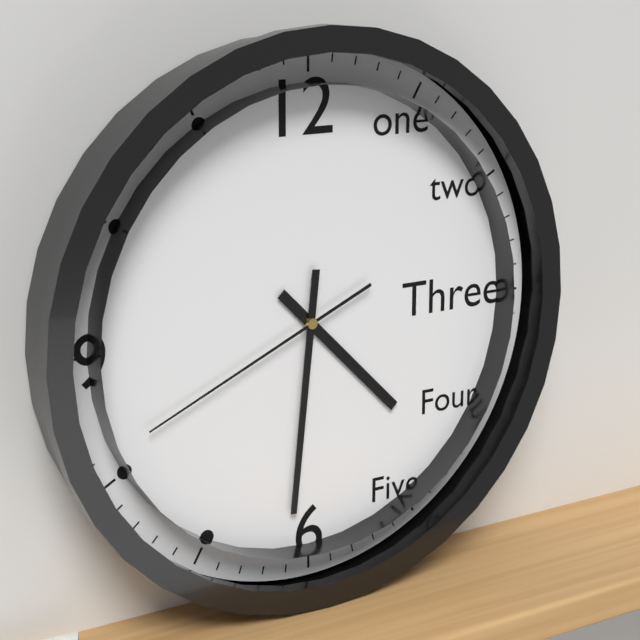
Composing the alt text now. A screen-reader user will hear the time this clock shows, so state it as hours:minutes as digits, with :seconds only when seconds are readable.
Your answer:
4:31:41
